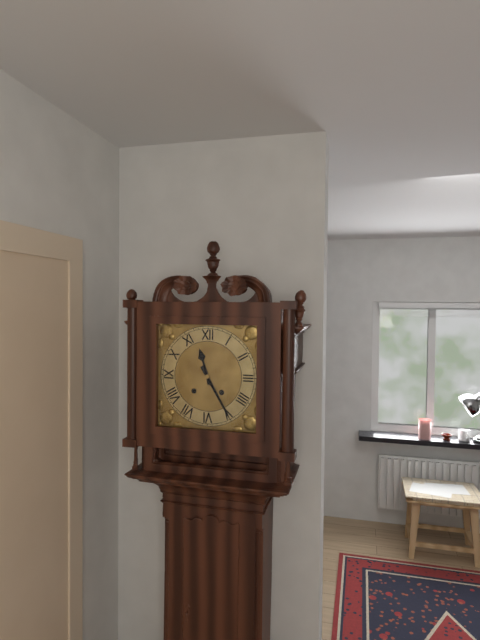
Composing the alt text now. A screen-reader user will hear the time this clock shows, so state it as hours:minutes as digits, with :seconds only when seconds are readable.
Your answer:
11:25
